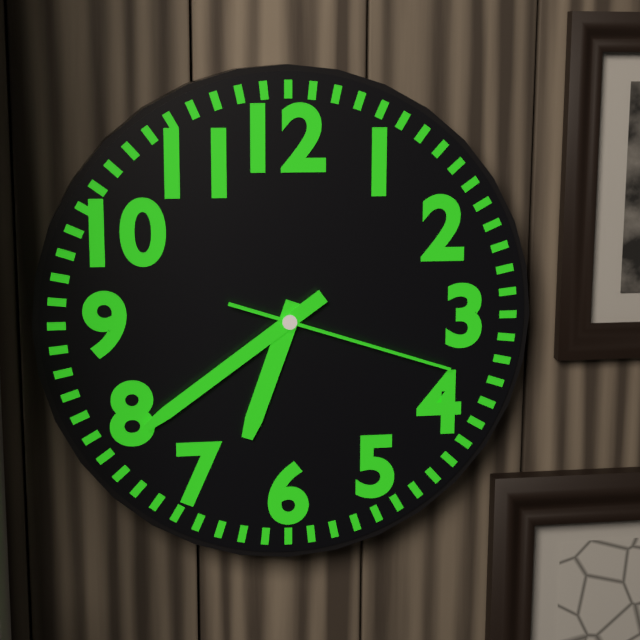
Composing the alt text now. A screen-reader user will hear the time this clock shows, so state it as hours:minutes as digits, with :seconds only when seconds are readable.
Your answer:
6:39:18
